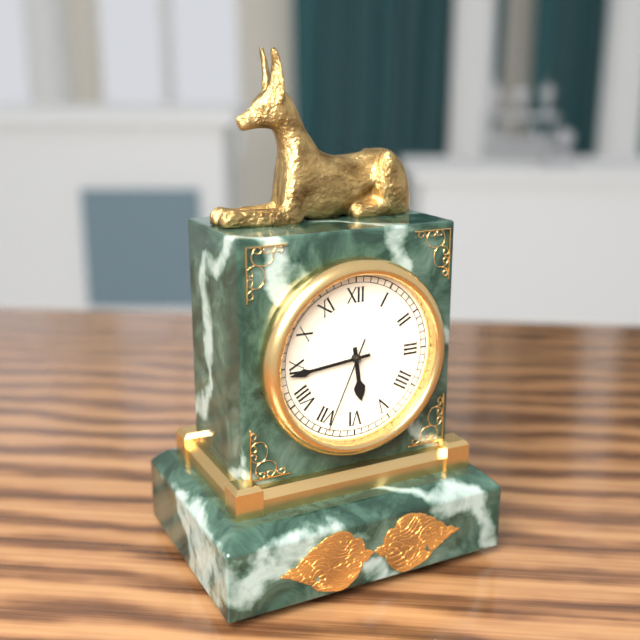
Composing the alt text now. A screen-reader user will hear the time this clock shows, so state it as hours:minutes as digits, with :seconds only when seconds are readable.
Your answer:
5:44:34
